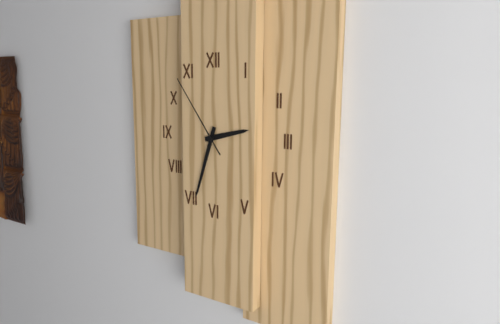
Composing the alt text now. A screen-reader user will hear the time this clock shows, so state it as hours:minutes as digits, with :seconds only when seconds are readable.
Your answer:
2:33:54
